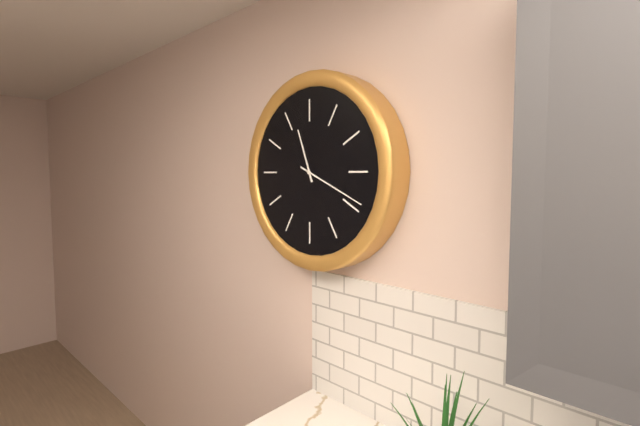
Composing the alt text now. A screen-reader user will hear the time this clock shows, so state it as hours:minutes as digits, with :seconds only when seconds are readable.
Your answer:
11:19
